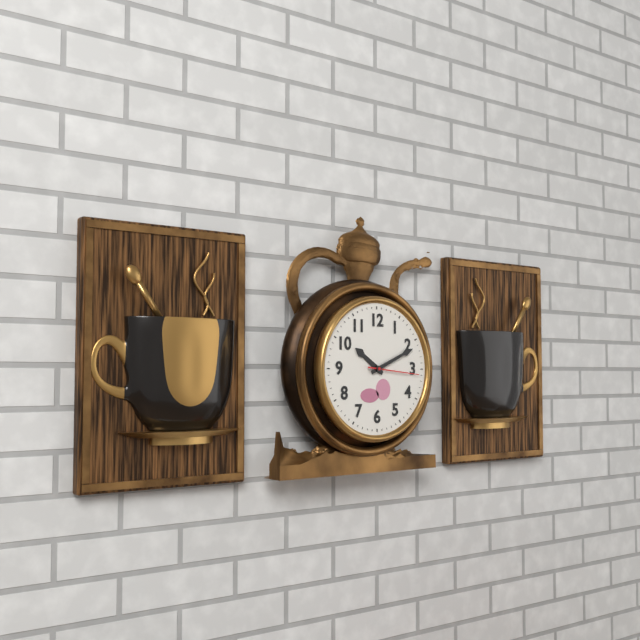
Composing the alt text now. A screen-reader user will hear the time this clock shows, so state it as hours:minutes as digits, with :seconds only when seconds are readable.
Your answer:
10:11:16
